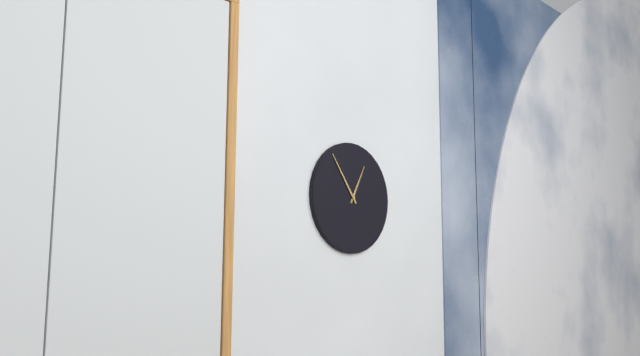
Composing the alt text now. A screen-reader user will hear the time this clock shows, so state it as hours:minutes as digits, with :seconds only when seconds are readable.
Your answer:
12:54
